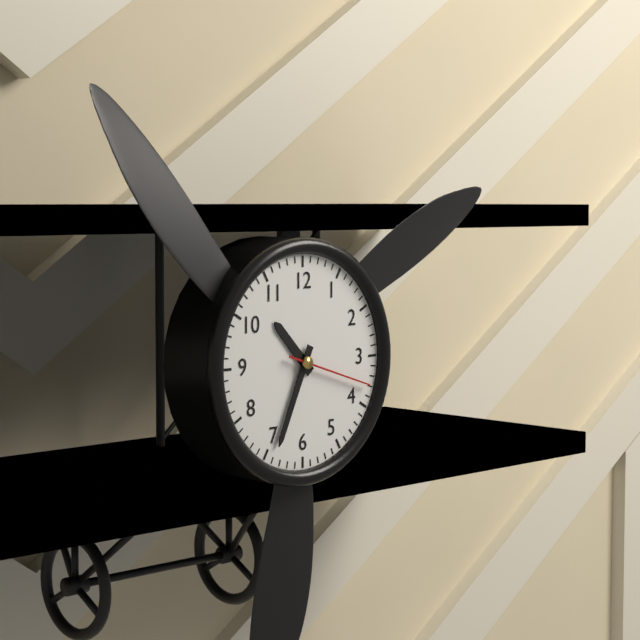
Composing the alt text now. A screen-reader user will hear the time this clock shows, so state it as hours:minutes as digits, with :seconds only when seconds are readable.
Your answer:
10:34:18
